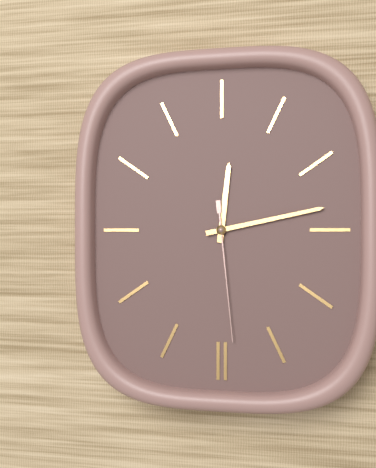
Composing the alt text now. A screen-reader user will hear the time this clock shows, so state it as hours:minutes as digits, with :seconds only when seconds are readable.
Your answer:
12:13:29
